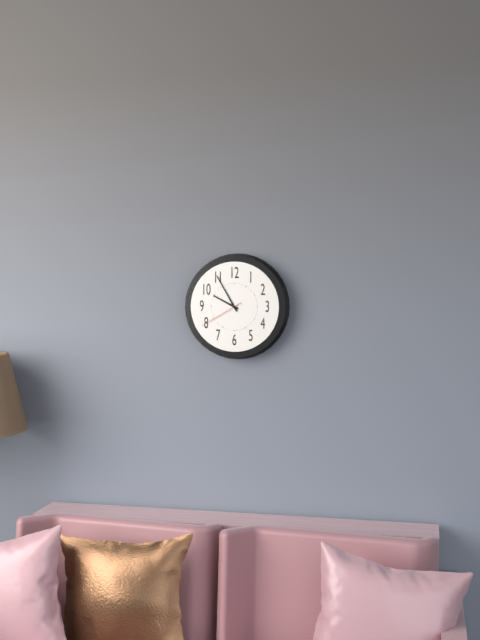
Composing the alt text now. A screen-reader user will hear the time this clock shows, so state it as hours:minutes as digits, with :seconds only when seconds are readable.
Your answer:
9:55
